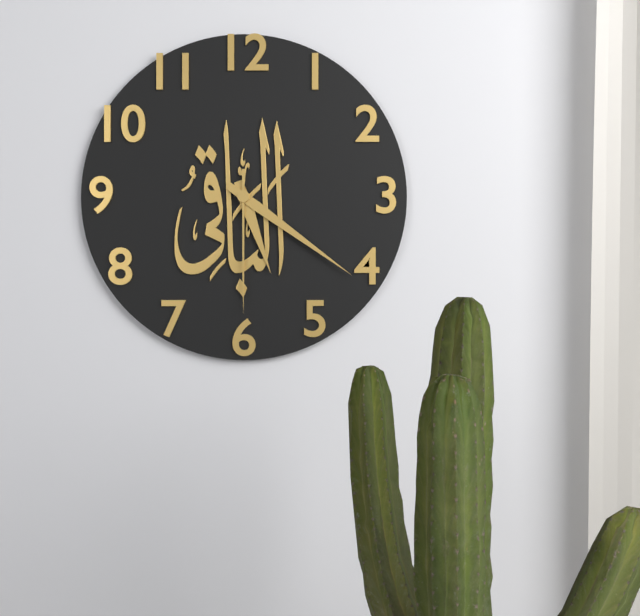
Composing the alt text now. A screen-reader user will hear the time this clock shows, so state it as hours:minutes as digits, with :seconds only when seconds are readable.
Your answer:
5:21:30
